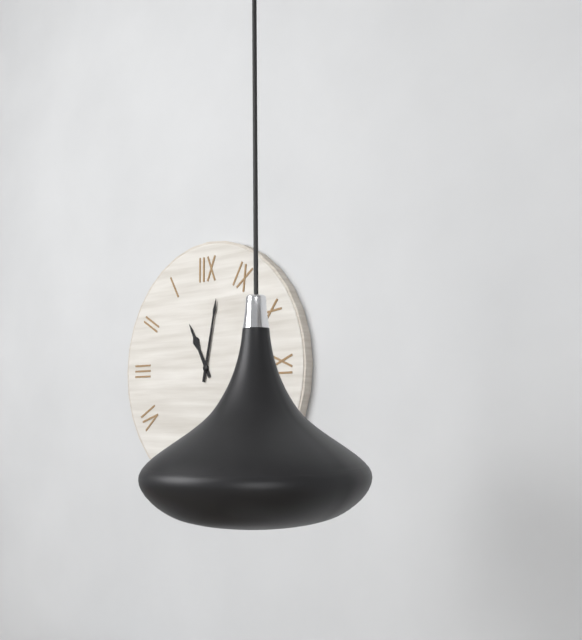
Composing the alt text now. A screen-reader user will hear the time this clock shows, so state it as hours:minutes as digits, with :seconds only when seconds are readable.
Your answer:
11:02
